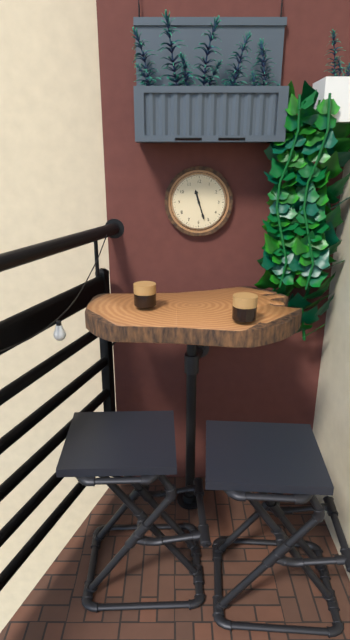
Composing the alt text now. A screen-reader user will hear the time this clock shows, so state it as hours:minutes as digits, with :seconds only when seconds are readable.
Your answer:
11:27
